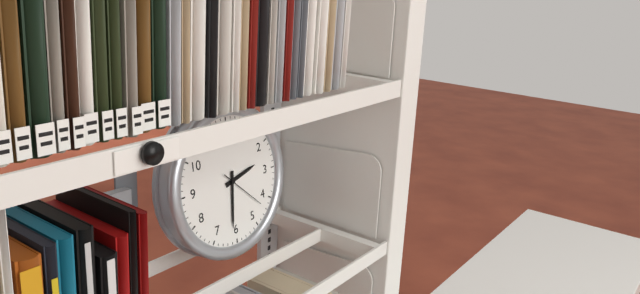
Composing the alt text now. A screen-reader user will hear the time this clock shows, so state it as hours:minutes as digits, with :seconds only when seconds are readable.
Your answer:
2:31
